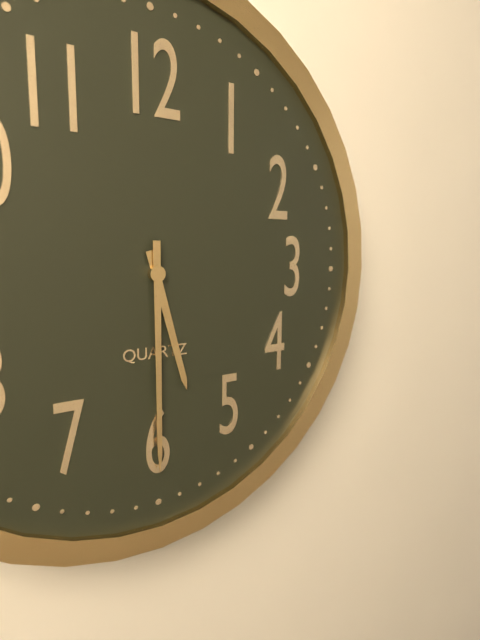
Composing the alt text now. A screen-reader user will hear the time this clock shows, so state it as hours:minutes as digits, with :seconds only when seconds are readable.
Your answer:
5:30
